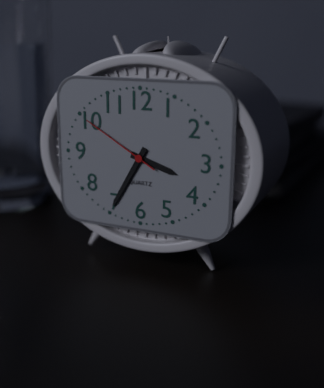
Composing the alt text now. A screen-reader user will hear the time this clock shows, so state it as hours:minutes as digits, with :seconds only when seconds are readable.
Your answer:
3:35:50
